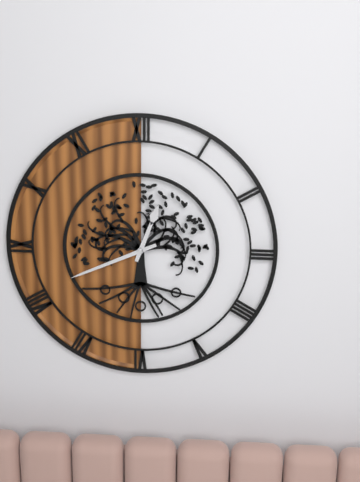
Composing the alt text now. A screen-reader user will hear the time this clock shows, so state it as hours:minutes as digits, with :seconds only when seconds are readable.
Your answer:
12:41
